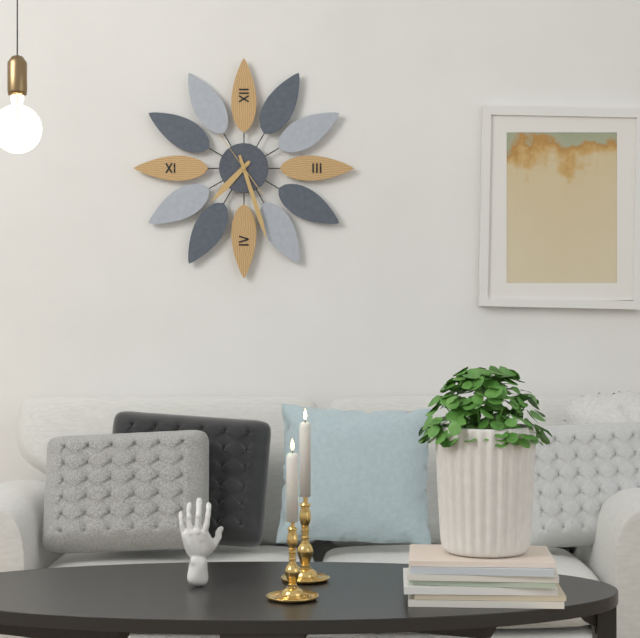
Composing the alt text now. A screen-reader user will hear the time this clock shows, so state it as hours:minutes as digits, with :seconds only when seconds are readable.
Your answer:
7:27:54
